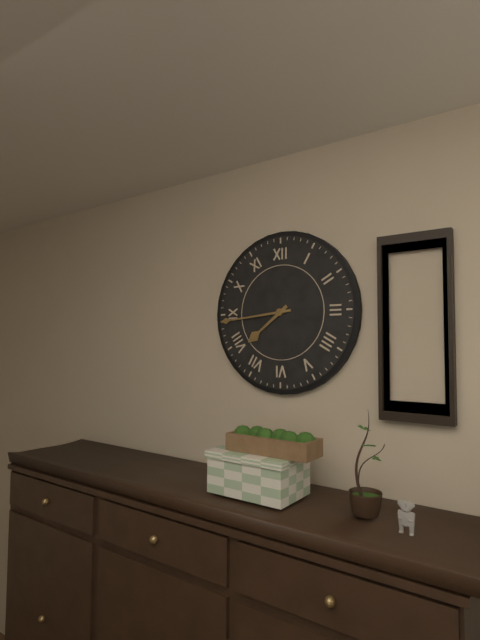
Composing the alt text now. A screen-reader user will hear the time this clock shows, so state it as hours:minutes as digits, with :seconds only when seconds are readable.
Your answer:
7:44
